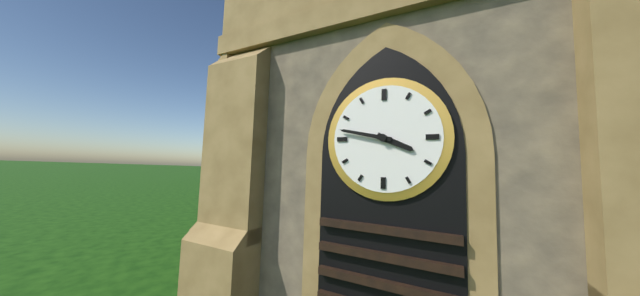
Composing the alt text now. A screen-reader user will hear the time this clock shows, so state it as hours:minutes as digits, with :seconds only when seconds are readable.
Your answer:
3:47
